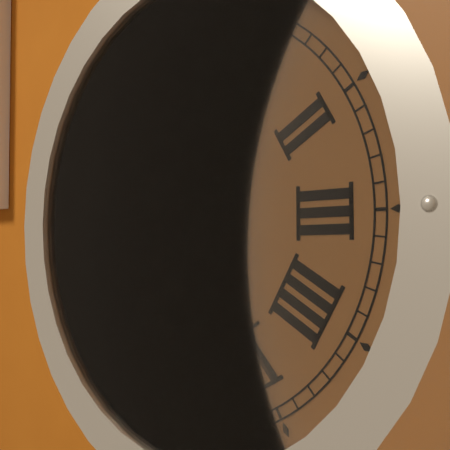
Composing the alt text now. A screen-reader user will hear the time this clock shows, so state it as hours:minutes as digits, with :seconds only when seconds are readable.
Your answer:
12:33
